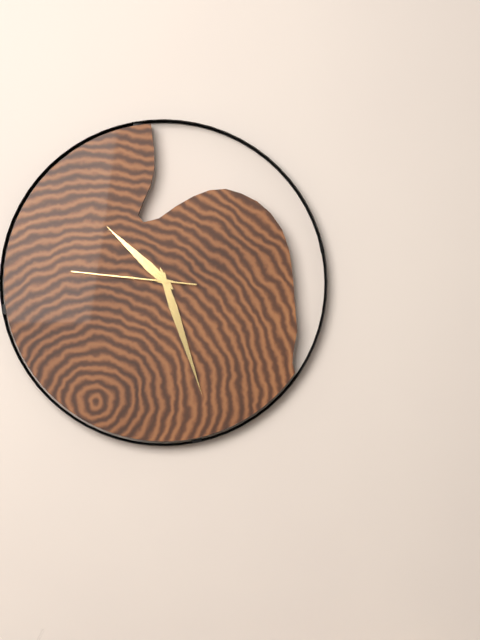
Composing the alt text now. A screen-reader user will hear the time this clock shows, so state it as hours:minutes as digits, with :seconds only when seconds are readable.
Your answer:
10:27:46
